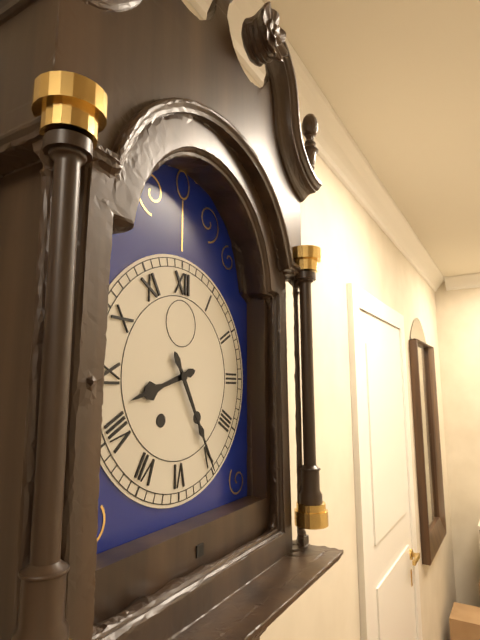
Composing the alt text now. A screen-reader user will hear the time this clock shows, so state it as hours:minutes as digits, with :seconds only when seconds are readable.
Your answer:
8:25
